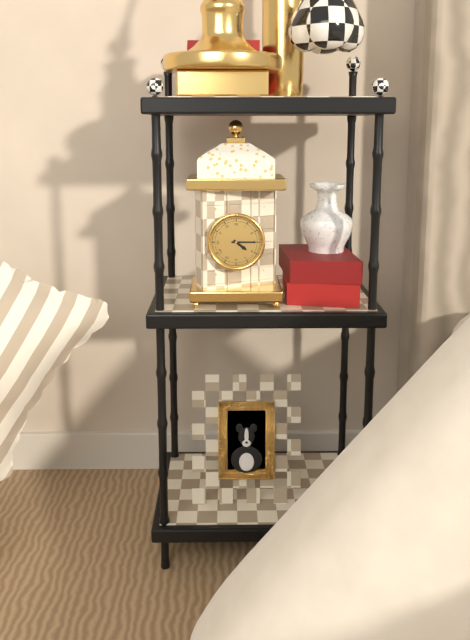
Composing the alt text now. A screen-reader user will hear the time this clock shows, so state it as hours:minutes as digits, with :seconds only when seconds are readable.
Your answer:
4:15
